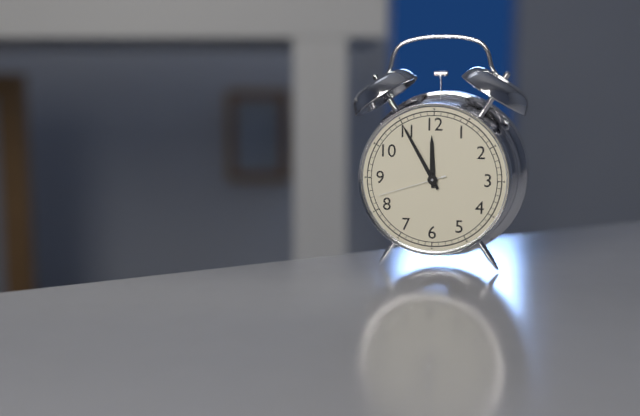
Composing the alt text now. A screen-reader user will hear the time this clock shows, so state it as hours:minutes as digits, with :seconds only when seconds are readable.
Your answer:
11:55:42
